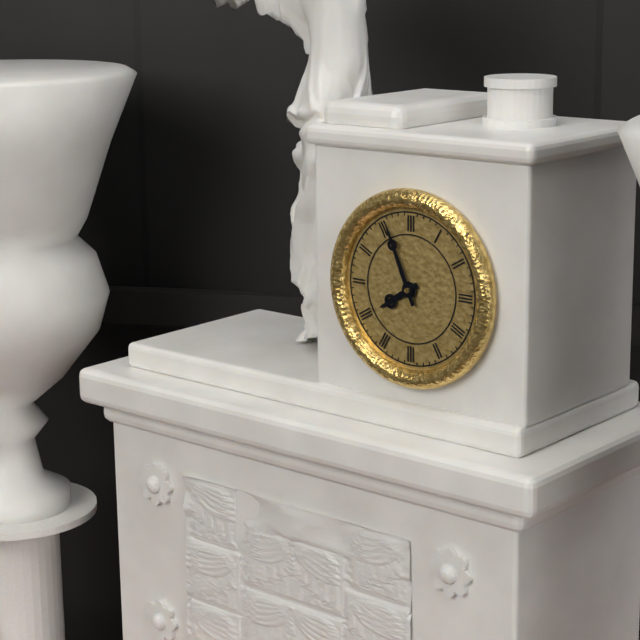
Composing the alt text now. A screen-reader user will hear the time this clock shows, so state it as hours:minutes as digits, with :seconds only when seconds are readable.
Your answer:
7:56
